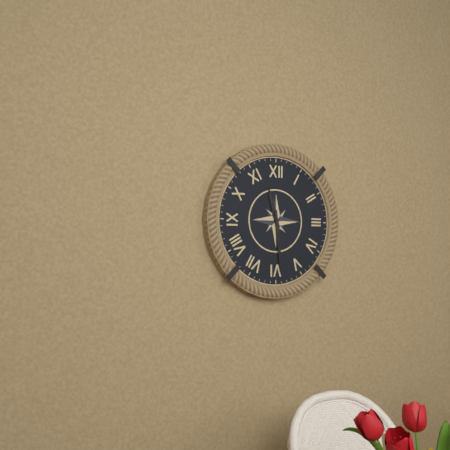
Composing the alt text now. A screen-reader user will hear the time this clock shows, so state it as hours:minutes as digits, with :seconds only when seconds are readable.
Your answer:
11:29
